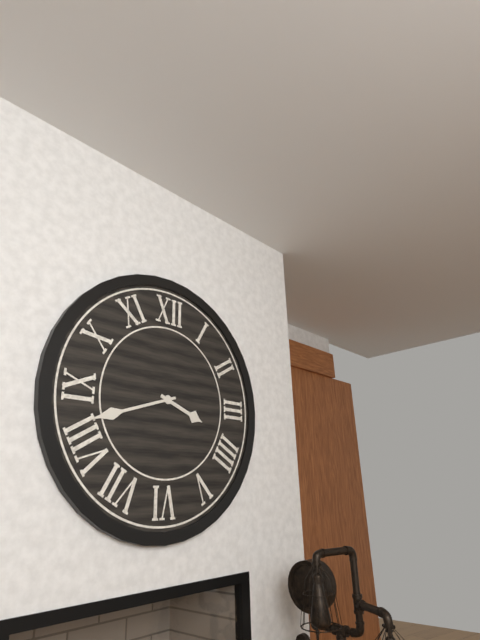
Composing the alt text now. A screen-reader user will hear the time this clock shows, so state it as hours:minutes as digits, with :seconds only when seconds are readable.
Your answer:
3:42
